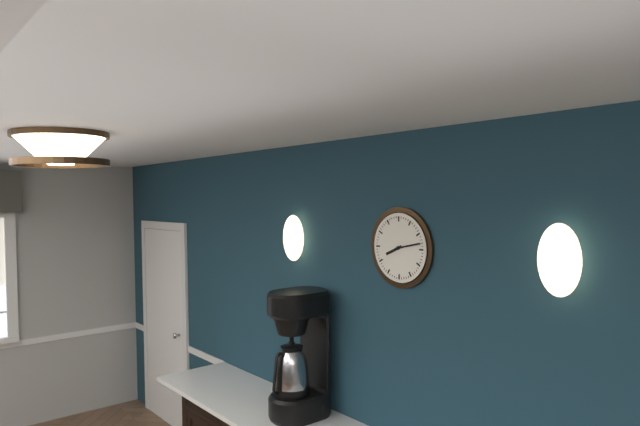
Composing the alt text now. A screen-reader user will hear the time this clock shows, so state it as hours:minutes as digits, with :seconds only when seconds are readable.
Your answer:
8:13
